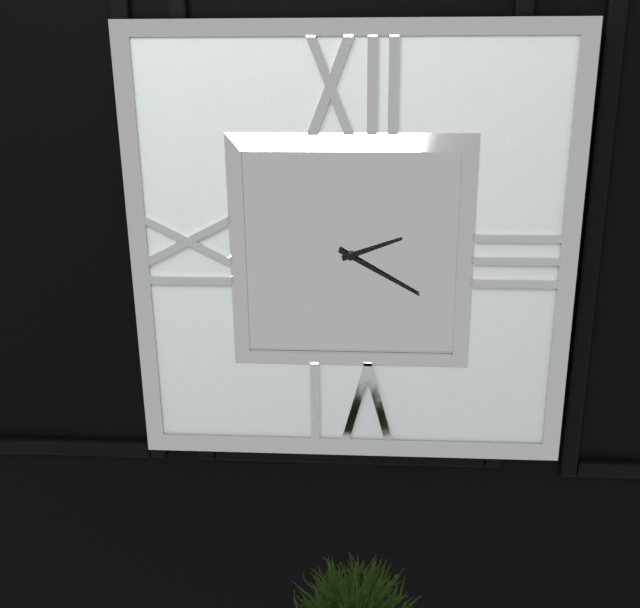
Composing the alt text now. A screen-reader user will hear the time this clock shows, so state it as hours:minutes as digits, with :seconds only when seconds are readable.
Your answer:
2:20
